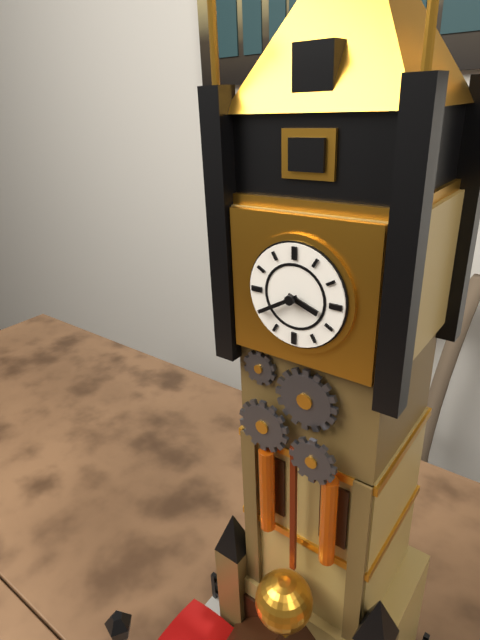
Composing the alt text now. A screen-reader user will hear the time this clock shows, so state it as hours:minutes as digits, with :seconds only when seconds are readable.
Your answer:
3:40
